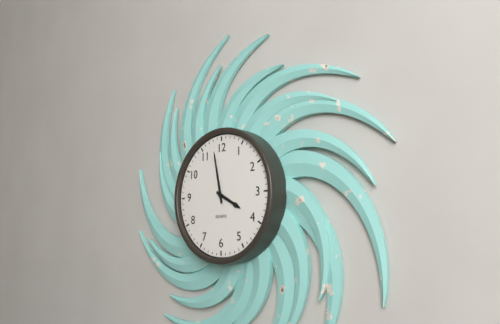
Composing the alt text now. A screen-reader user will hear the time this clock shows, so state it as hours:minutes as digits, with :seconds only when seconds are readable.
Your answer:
3:58
